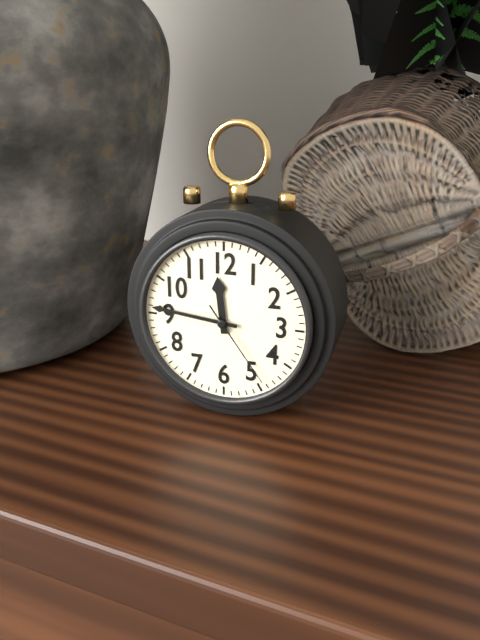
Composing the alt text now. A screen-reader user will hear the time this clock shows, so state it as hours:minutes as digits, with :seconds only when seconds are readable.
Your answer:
11:46:24
